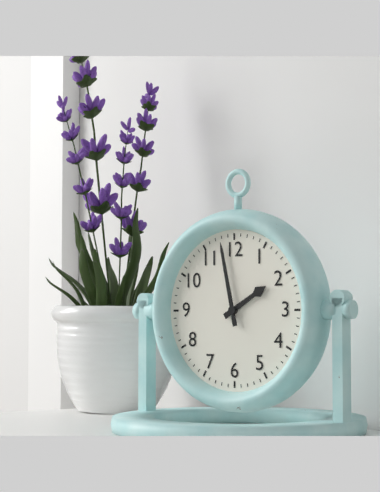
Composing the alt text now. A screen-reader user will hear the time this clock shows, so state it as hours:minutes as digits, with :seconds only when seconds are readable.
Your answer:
1:58
